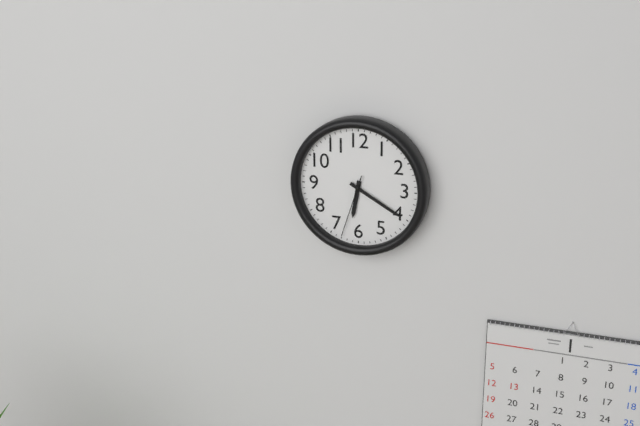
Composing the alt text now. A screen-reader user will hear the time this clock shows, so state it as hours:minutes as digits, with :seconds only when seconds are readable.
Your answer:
6:20:33
